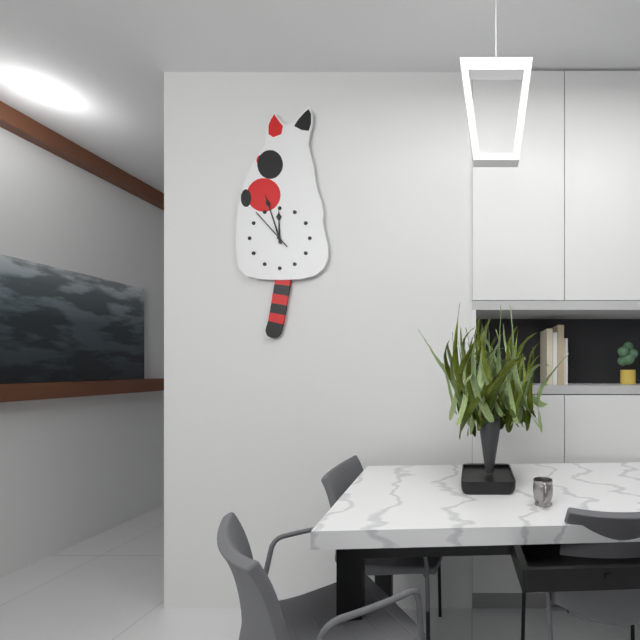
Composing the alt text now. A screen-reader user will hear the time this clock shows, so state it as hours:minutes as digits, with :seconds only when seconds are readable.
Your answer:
11:57
